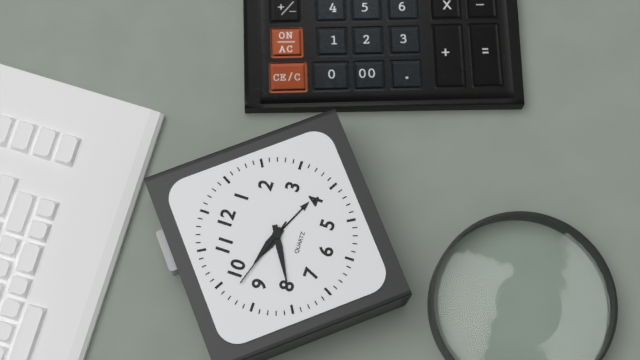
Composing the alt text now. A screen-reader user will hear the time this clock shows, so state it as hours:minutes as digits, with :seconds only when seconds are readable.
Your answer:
9:40:48
